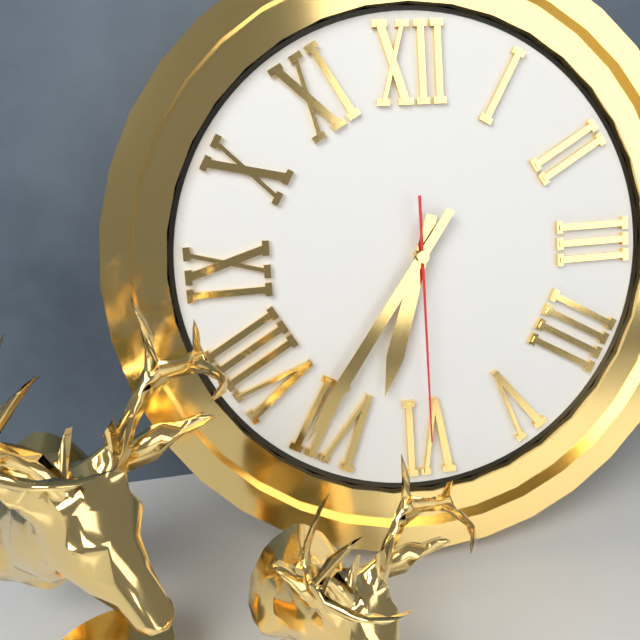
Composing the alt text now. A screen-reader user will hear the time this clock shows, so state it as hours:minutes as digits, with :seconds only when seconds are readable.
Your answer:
6:36:30
